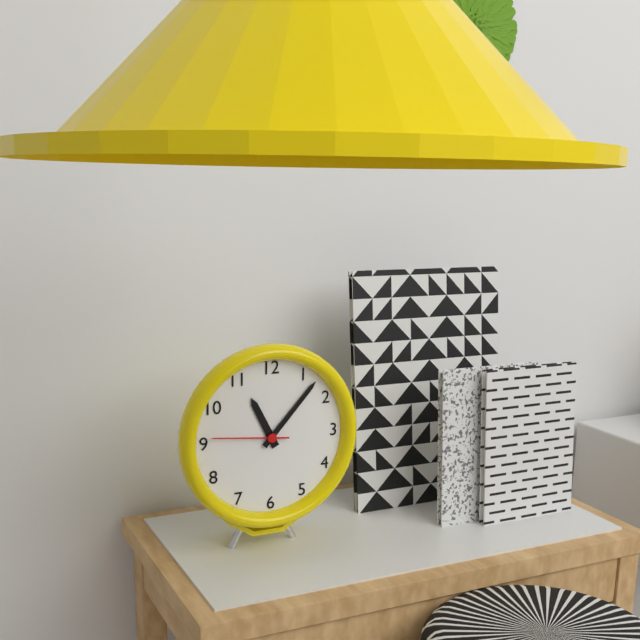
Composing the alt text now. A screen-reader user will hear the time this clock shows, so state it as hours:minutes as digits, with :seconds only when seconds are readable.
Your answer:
11:07:46
